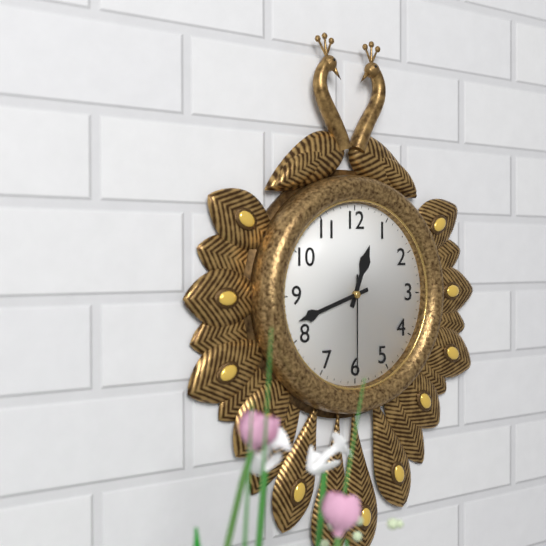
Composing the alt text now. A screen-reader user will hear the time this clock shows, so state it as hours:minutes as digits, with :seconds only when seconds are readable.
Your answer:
12:42:30
